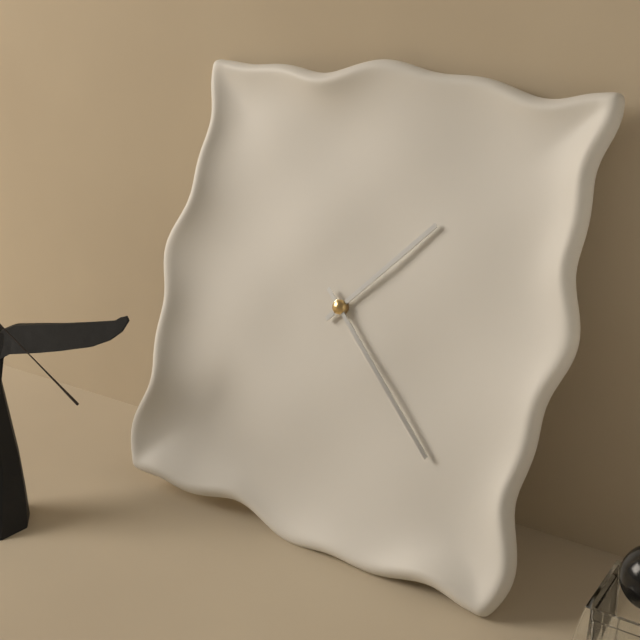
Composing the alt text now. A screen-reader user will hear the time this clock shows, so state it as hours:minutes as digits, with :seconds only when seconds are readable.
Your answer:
1:22
